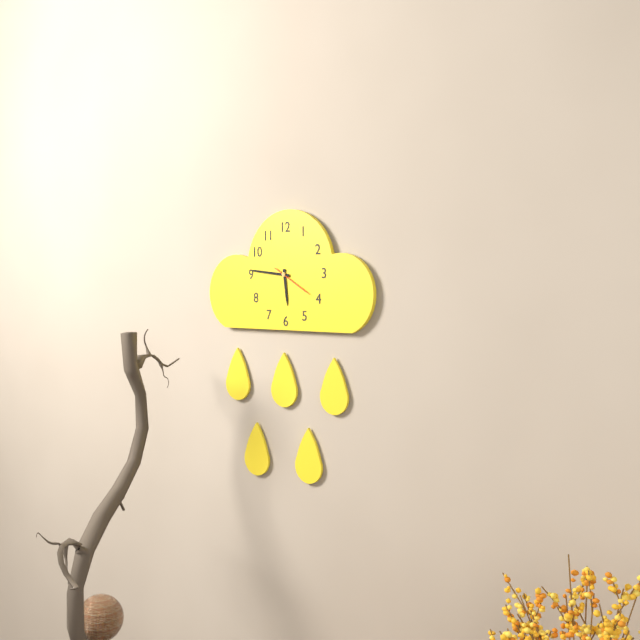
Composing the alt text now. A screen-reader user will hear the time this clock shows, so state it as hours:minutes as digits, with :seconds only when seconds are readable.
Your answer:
5:46
